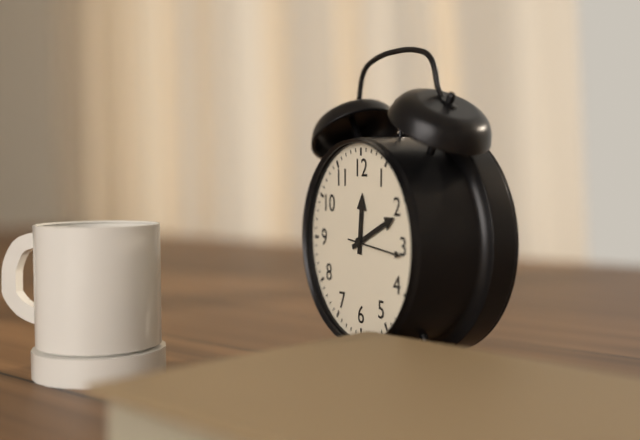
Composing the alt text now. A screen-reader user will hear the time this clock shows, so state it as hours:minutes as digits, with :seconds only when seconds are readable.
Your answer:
12:11:16
